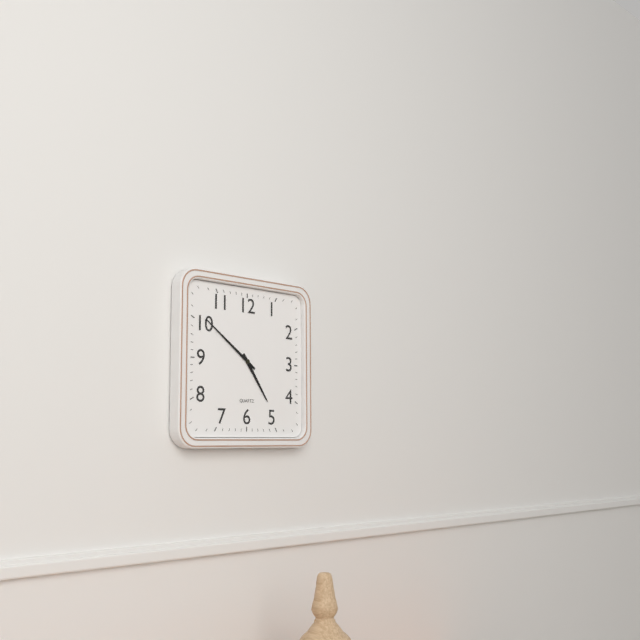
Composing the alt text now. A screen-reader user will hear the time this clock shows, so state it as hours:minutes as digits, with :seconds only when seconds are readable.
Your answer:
4:51
